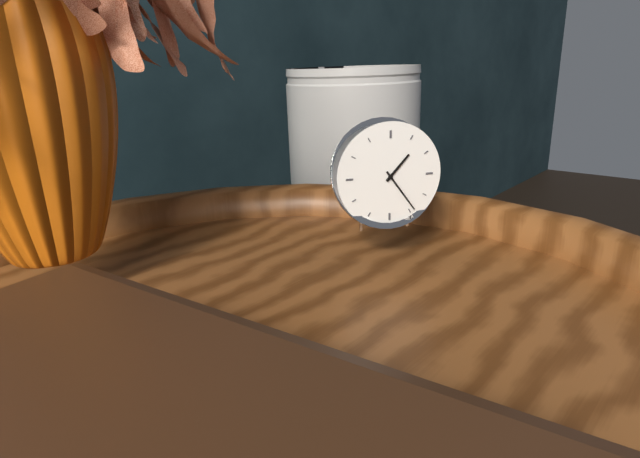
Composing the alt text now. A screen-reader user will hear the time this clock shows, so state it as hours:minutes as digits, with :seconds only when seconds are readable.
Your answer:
1:24
